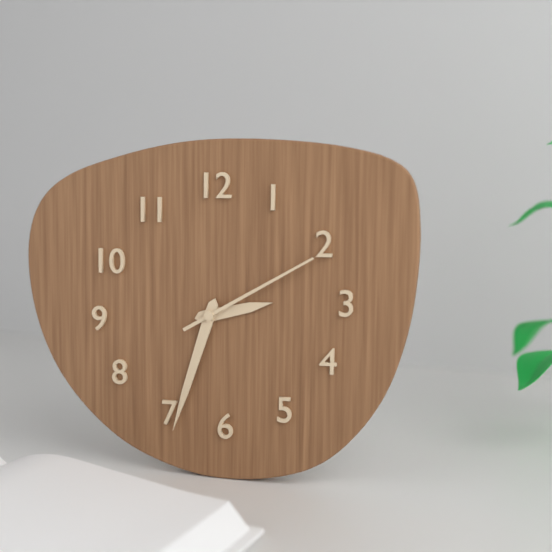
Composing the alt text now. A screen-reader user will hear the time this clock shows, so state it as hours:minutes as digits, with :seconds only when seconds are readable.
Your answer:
2:33:10
